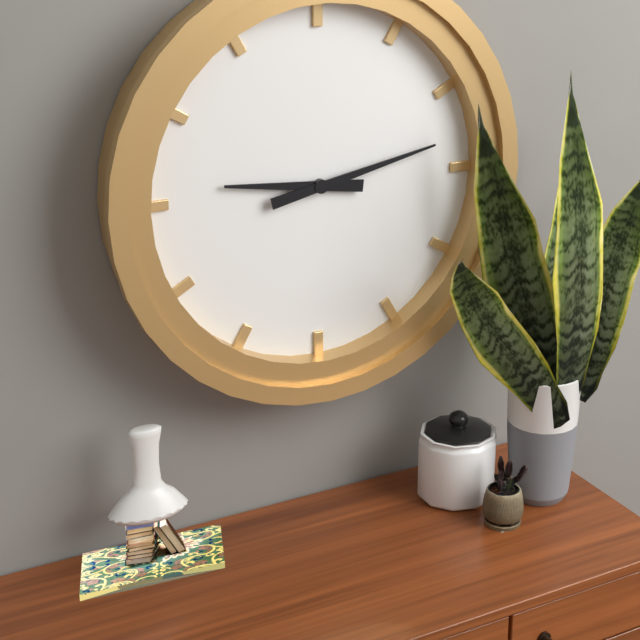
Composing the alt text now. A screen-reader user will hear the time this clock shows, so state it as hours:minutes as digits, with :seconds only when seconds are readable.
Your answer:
9:13
